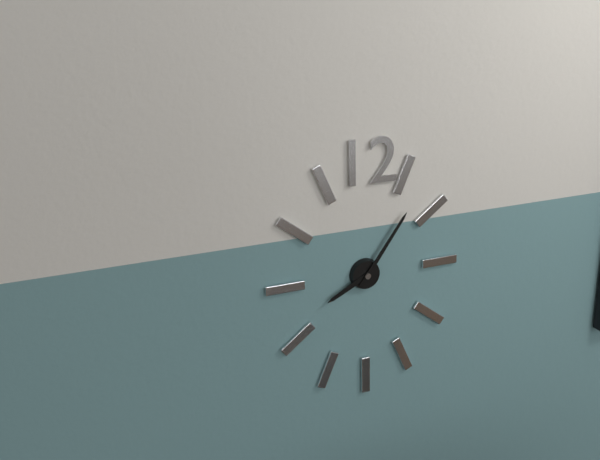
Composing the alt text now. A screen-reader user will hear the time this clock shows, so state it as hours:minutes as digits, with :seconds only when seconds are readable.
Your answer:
8:06
